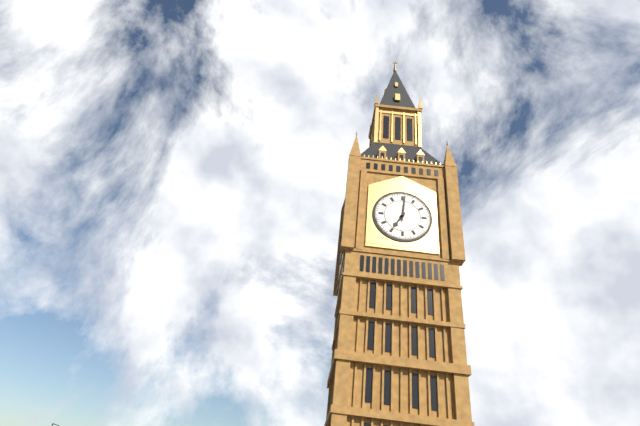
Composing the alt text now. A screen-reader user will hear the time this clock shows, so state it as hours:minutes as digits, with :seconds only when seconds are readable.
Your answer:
7:01
